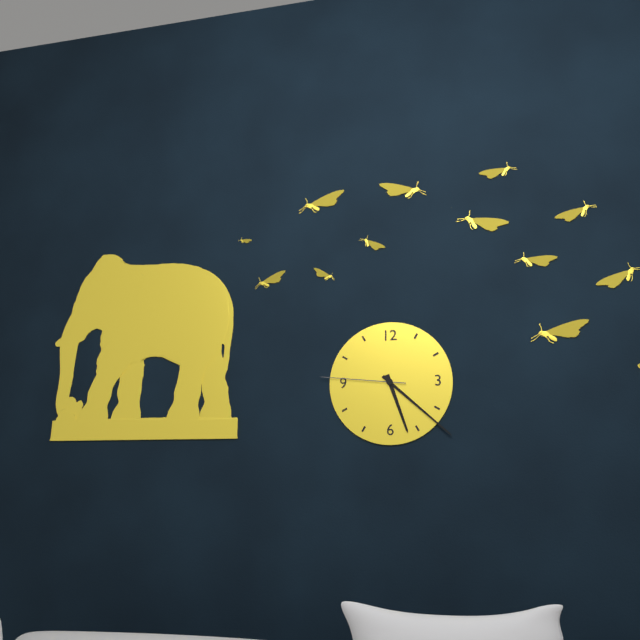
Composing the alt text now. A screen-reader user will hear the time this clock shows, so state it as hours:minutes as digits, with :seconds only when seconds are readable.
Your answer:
5:22:46
